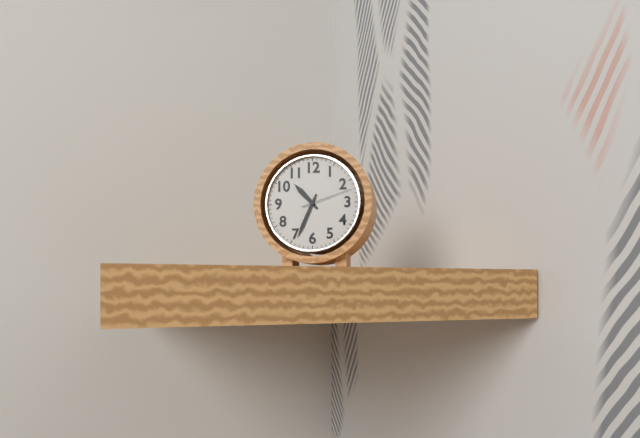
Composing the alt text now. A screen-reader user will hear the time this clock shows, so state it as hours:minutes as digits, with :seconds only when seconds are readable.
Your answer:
10:34:12
